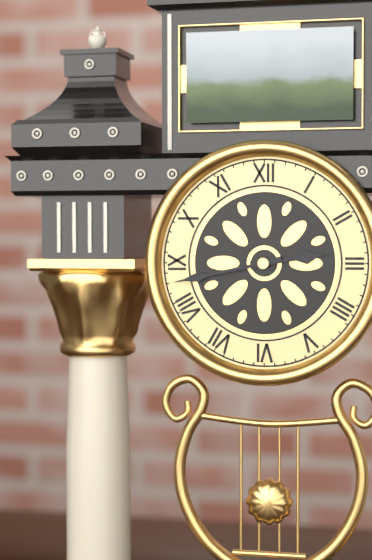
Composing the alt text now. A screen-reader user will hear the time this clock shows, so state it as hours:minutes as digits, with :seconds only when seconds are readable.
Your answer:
2:43
